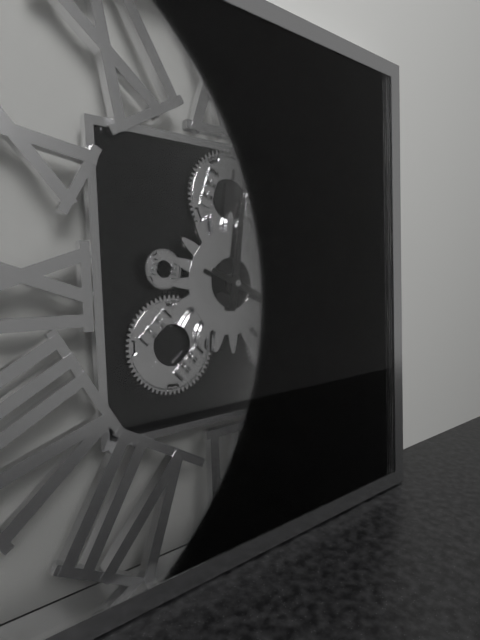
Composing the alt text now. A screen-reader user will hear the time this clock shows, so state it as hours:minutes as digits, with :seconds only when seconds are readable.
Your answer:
12:19
